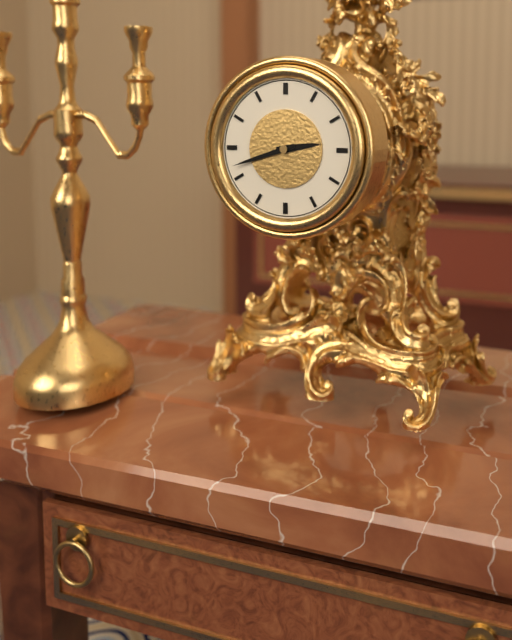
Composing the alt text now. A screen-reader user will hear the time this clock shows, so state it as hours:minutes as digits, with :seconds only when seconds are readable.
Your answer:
2:42
